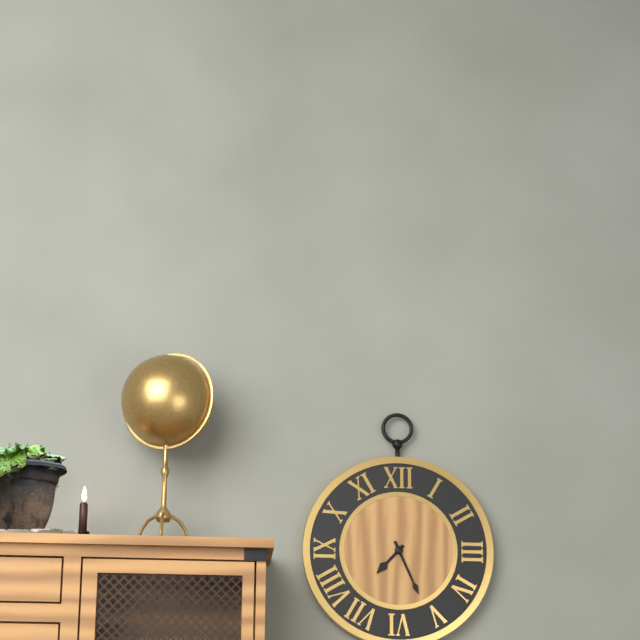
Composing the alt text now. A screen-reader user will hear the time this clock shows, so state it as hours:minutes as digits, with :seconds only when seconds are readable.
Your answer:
7:26
